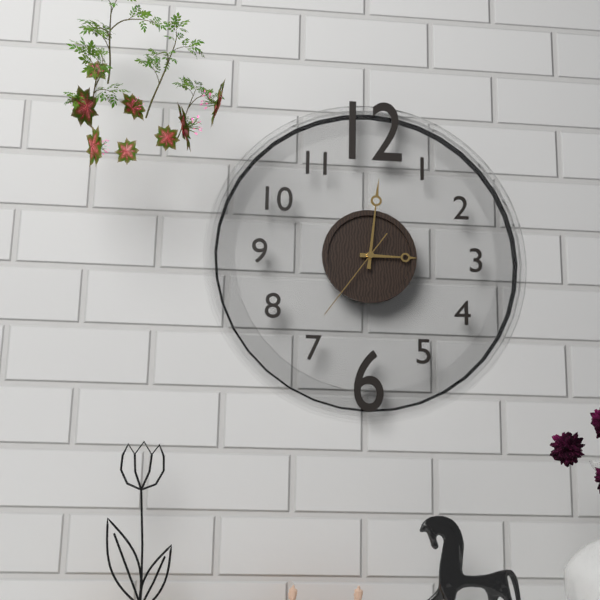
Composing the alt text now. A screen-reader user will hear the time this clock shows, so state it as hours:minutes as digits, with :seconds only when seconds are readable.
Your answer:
3:01:36
